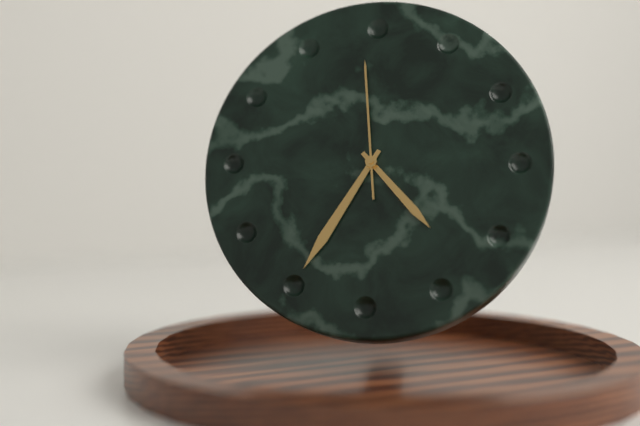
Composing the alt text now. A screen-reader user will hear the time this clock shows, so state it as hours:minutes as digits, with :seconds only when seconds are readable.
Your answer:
4:35:59
